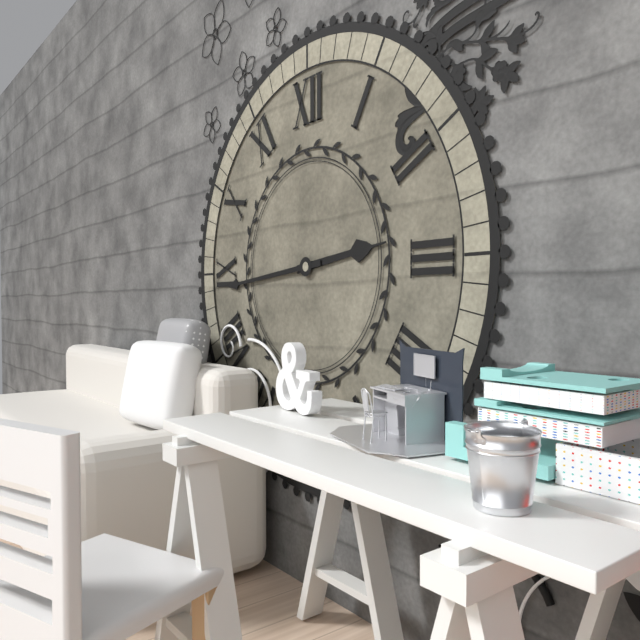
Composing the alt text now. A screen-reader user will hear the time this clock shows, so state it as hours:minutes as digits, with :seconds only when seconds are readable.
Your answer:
2:44
